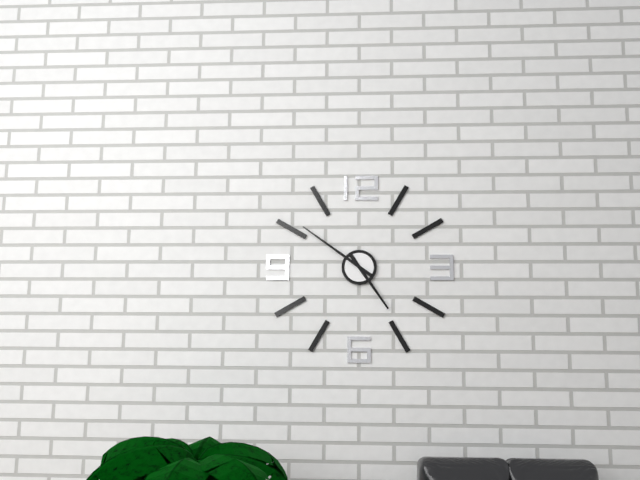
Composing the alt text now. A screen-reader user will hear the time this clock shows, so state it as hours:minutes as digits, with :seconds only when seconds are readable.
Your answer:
4:51
